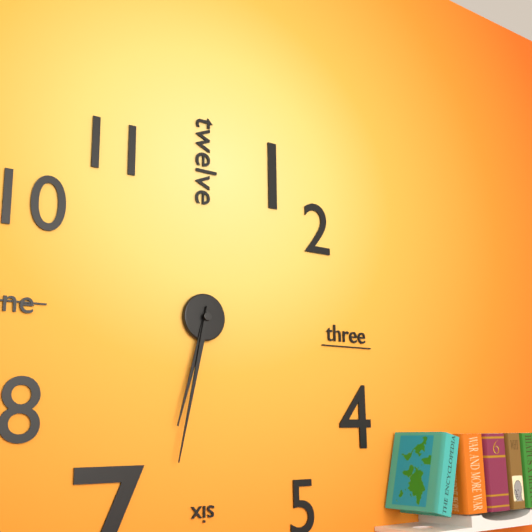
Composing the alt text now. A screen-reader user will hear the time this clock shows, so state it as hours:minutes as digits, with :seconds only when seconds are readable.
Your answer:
6:32
